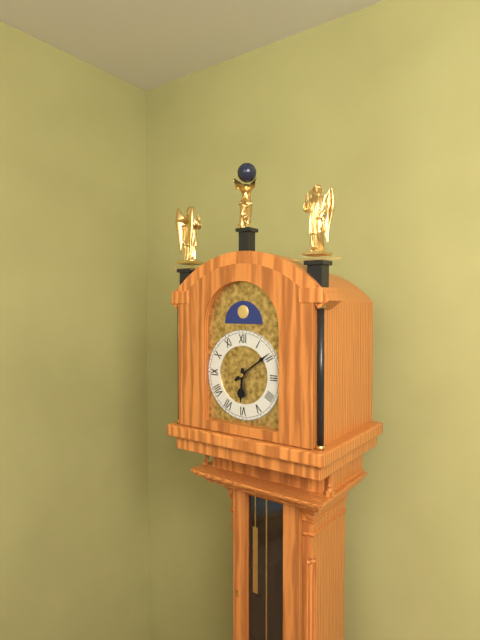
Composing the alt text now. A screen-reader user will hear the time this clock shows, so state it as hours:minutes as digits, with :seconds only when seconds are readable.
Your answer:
6:09
